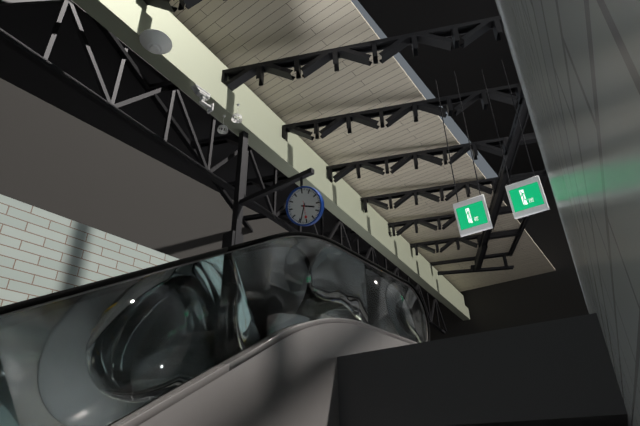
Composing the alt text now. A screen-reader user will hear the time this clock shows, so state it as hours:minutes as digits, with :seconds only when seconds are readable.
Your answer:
3:34
